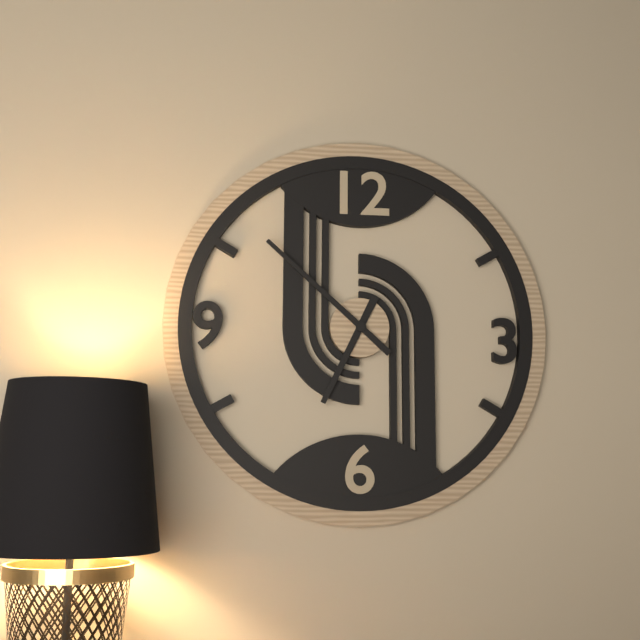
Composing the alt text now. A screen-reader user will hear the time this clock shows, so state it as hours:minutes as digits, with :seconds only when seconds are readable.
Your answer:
6:52
